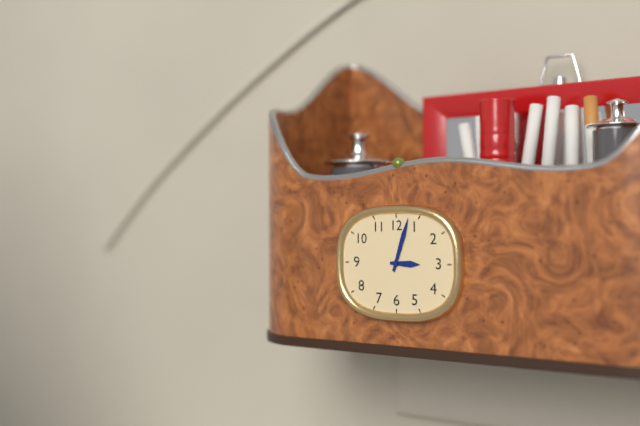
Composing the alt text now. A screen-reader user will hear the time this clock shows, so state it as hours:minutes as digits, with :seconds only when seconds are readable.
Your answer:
3:03
